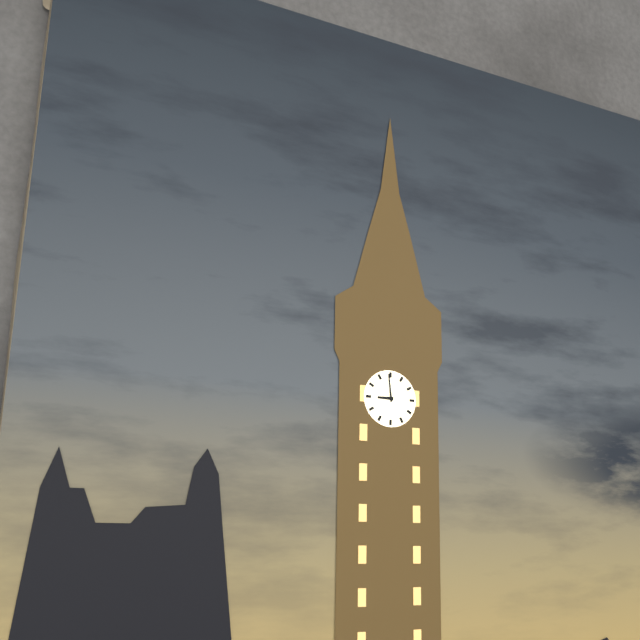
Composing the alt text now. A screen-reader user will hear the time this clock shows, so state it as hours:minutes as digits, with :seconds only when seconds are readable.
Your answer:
8:59
